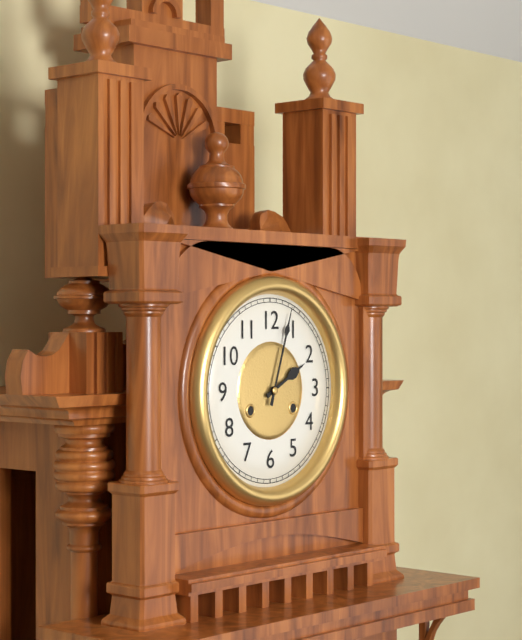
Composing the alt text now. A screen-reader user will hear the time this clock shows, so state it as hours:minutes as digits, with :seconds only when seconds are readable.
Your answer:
2:03
